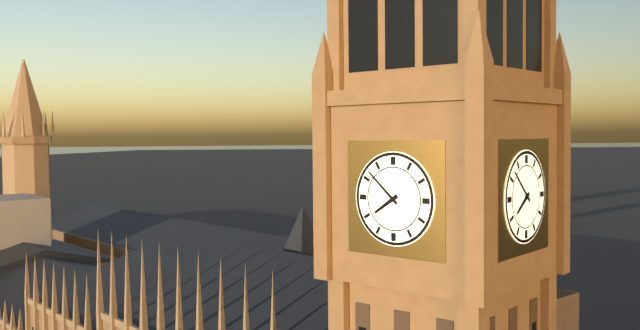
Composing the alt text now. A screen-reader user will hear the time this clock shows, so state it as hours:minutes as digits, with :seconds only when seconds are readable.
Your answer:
7:52
